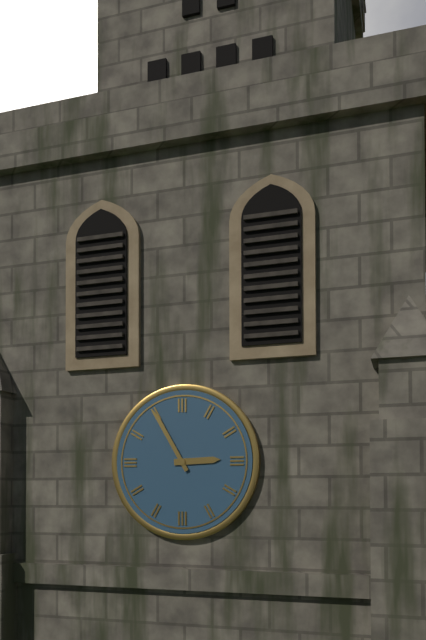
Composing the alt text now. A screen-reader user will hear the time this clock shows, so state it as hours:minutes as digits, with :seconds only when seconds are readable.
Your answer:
2:55
